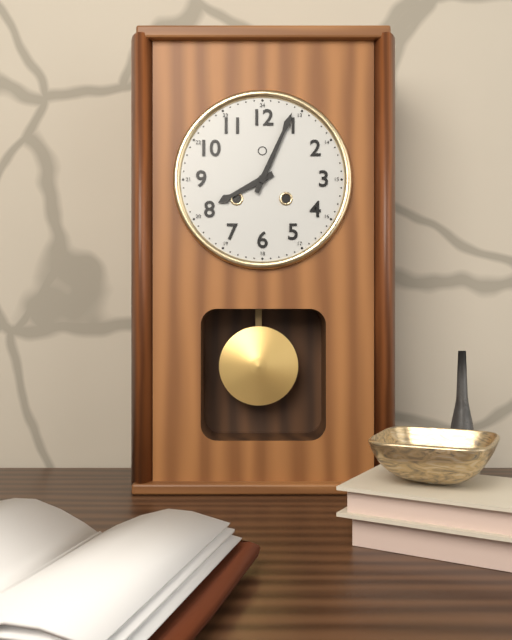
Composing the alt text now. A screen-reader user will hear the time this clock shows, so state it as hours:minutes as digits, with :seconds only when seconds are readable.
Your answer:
8:04
